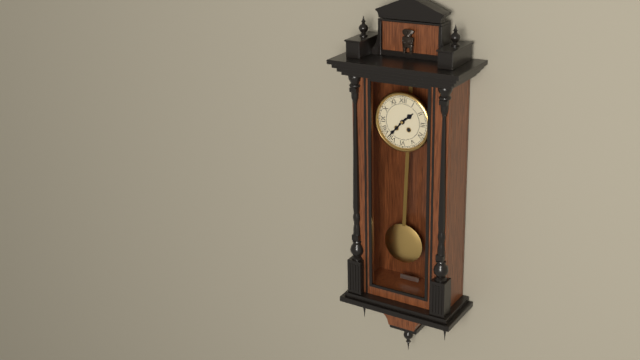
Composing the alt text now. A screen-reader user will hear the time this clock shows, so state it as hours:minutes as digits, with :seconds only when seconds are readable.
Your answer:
1:37
